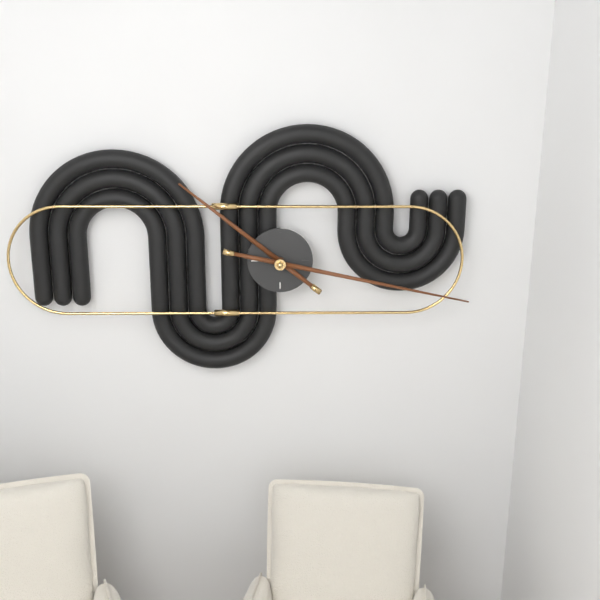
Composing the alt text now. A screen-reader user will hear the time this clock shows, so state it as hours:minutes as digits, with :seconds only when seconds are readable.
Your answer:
10:17
